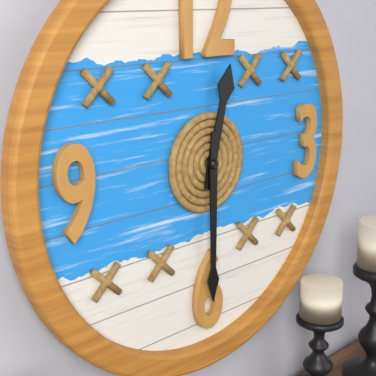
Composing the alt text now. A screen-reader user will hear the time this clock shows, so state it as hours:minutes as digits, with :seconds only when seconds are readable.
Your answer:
12:30
